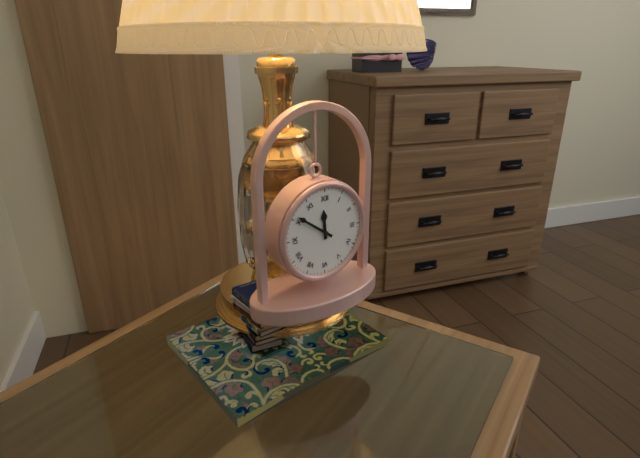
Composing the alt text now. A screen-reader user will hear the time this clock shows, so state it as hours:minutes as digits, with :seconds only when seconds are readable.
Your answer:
11:51
